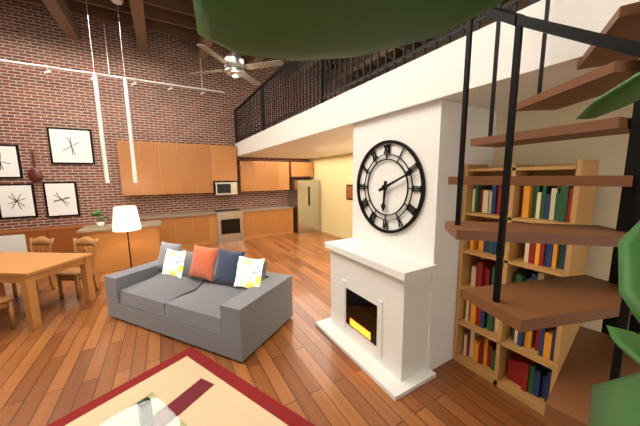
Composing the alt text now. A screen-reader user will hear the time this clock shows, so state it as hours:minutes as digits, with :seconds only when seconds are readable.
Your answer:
6:11
